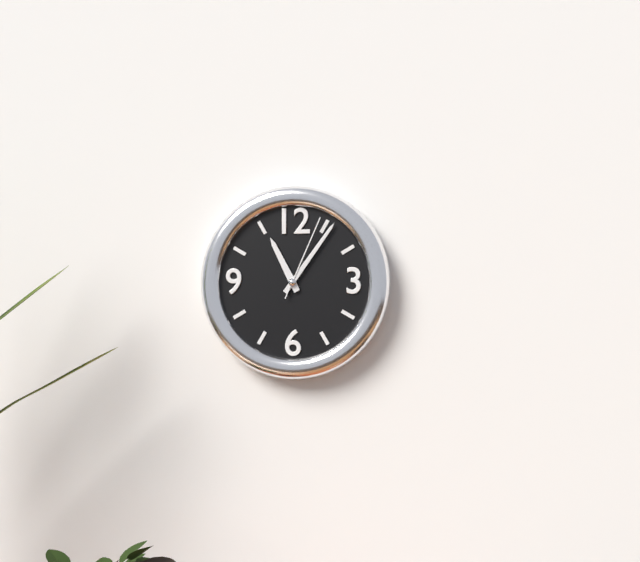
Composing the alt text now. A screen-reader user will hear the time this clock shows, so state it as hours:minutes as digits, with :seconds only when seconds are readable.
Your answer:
11:06:04
